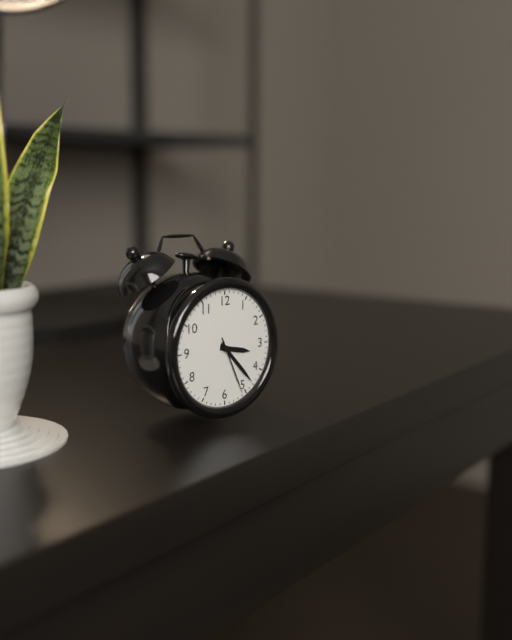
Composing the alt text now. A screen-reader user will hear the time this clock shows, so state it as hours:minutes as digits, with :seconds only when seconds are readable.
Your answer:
3:23:26
